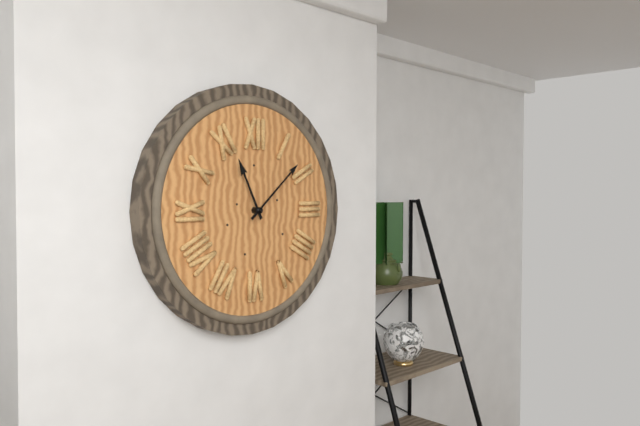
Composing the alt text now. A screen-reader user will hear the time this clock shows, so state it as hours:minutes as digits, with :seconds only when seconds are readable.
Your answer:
11:08
